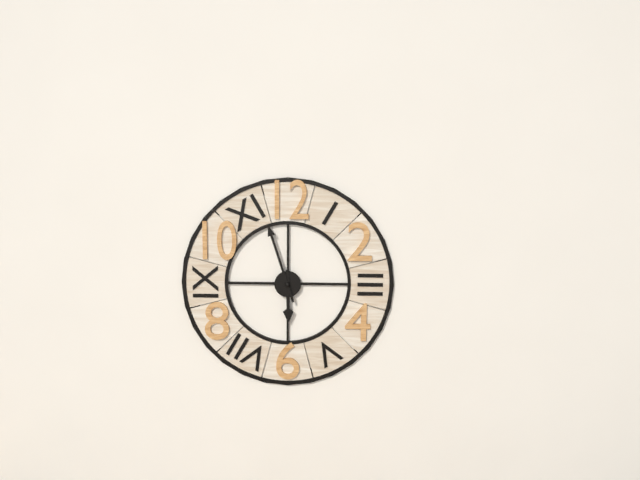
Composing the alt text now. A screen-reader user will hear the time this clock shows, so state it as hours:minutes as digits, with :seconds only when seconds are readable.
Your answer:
5:57
